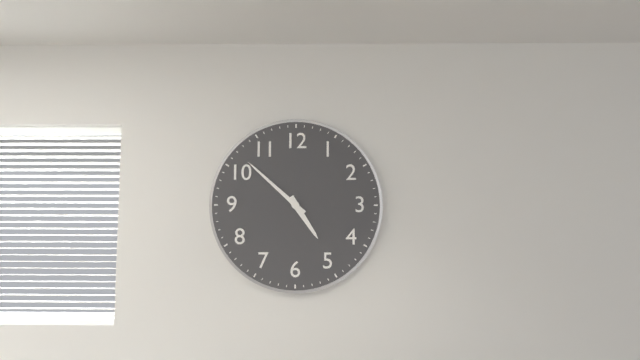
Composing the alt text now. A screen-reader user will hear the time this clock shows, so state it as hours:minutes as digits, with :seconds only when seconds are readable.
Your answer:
4:52
